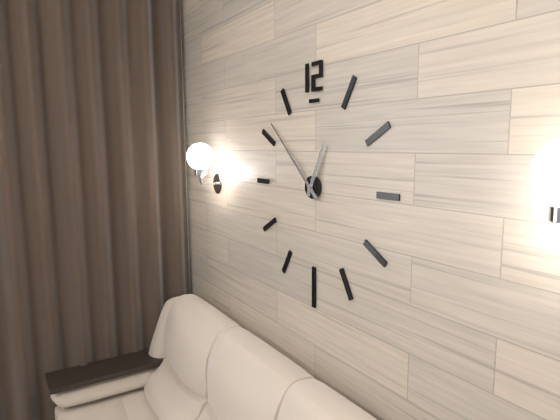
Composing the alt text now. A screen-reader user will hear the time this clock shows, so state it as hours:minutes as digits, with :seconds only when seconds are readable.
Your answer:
12:52
